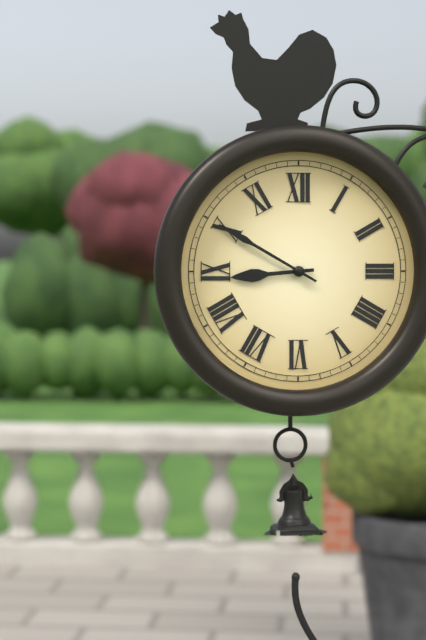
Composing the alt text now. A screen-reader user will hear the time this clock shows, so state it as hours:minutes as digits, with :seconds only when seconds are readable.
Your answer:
8:50
